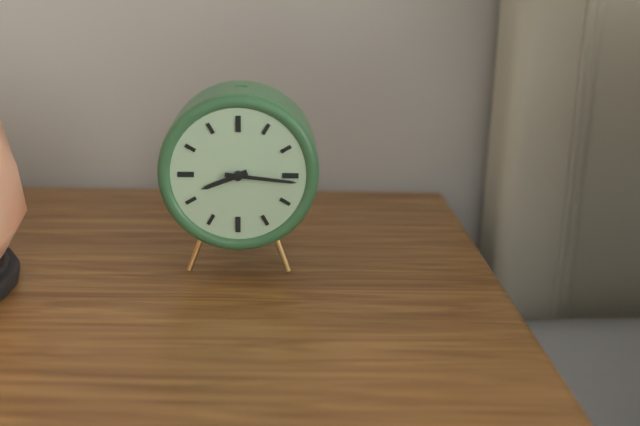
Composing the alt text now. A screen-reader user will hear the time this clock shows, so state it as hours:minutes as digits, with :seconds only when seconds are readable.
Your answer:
8:16
